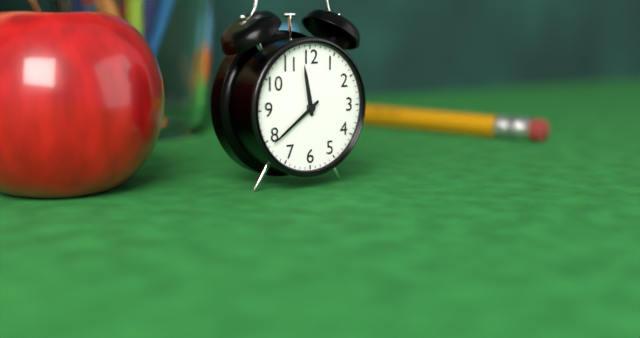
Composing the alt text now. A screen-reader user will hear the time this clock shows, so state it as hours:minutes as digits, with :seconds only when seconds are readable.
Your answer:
11:39
